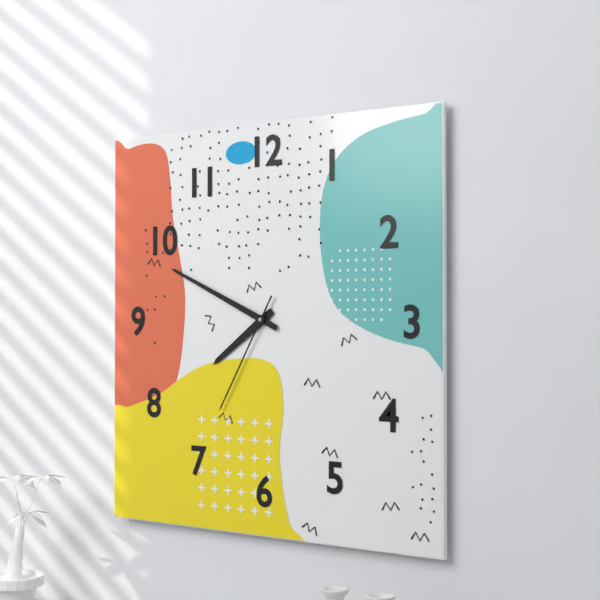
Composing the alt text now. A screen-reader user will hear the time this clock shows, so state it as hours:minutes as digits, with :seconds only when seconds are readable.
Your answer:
7:49:35
